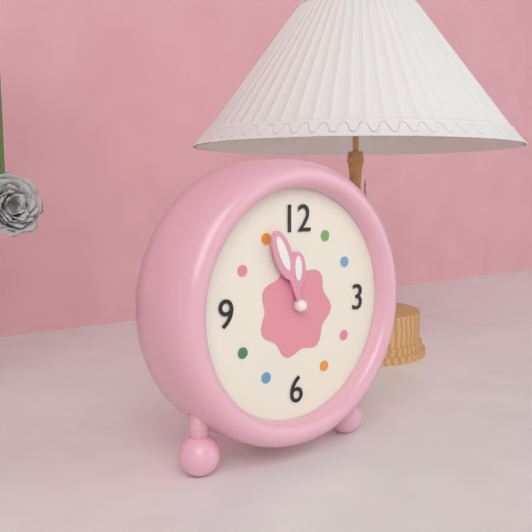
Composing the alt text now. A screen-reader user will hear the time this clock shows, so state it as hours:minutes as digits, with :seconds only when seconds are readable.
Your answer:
11:56
